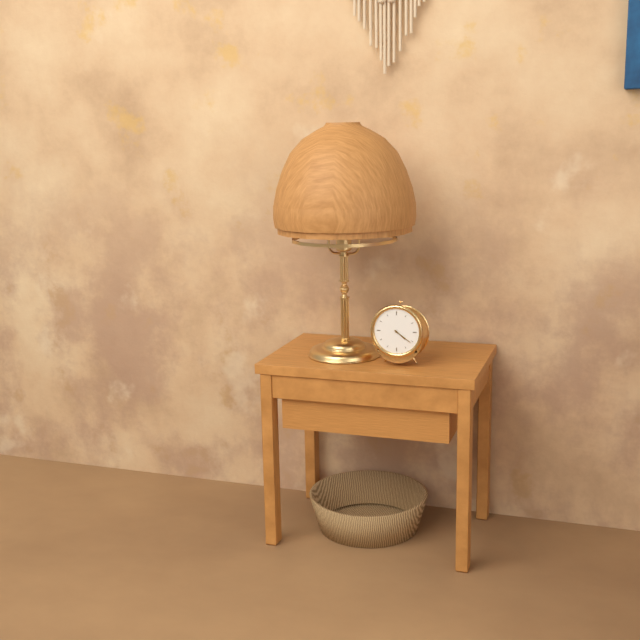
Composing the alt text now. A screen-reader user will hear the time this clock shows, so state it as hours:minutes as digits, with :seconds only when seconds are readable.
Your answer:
4:21
